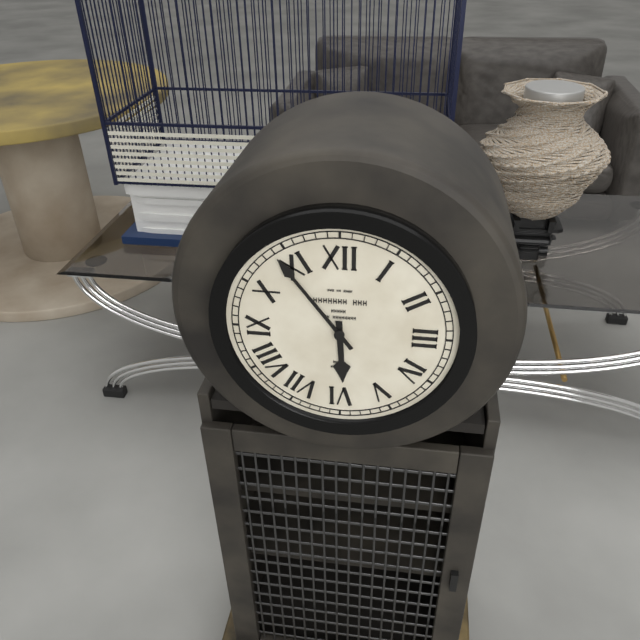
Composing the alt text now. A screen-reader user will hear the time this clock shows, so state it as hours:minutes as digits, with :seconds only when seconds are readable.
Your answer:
5:54
